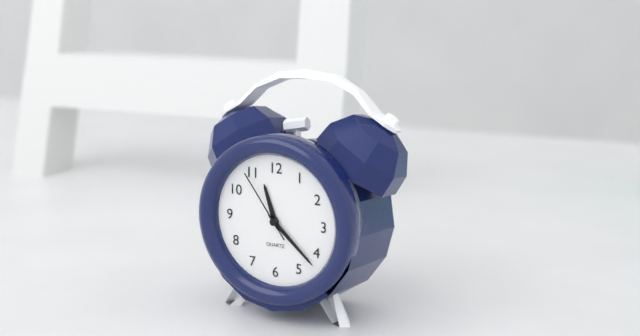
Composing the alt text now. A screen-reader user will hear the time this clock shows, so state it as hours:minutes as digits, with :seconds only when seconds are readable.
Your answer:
11:22:54
